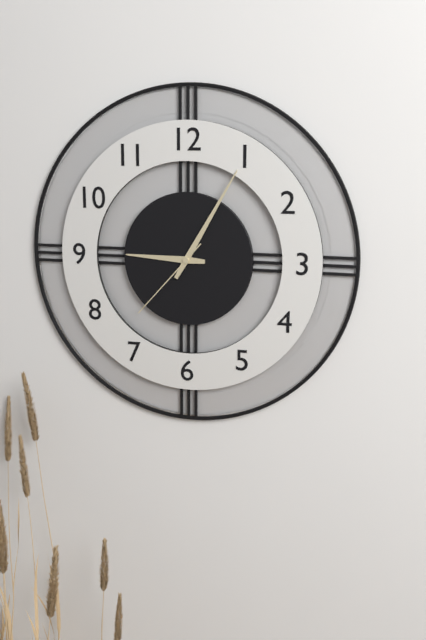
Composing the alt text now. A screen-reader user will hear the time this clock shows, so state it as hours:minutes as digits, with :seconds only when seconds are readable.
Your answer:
9:05:37
